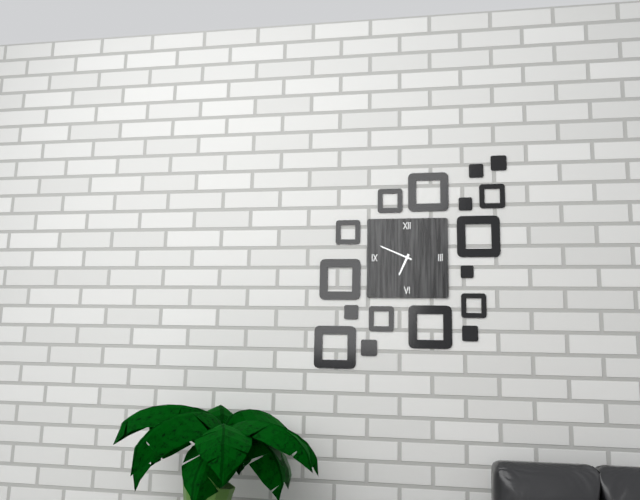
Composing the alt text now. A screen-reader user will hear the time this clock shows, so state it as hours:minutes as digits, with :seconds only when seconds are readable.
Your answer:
6:49
